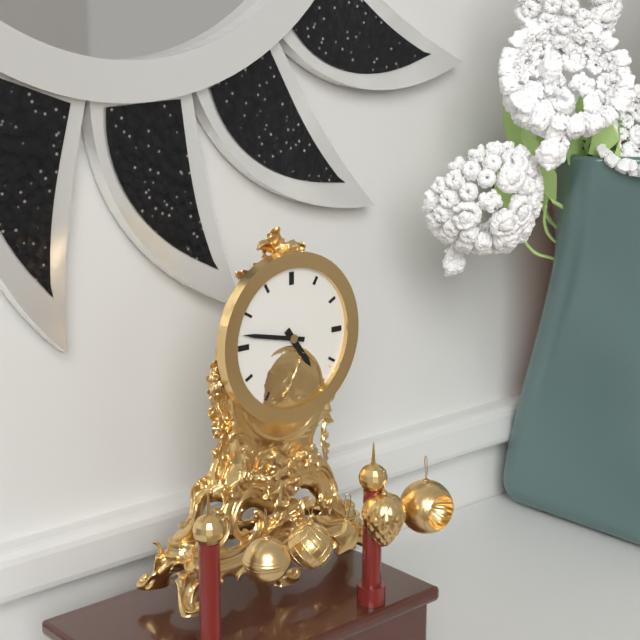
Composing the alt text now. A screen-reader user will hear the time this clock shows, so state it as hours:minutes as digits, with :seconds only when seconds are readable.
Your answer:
4:47
